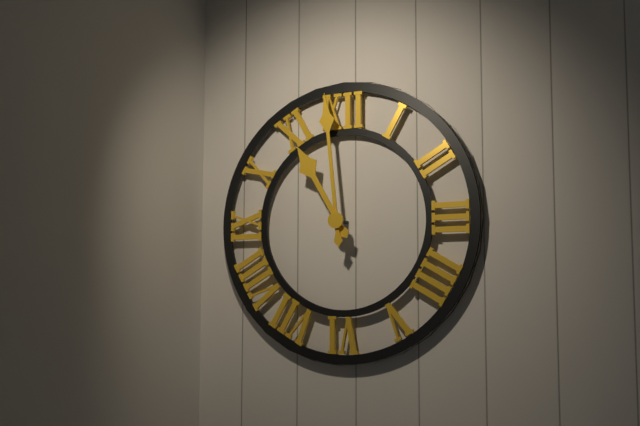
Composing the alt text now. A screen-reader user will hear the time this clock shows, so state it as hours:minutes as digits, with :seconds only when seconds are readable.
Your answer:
10:59
